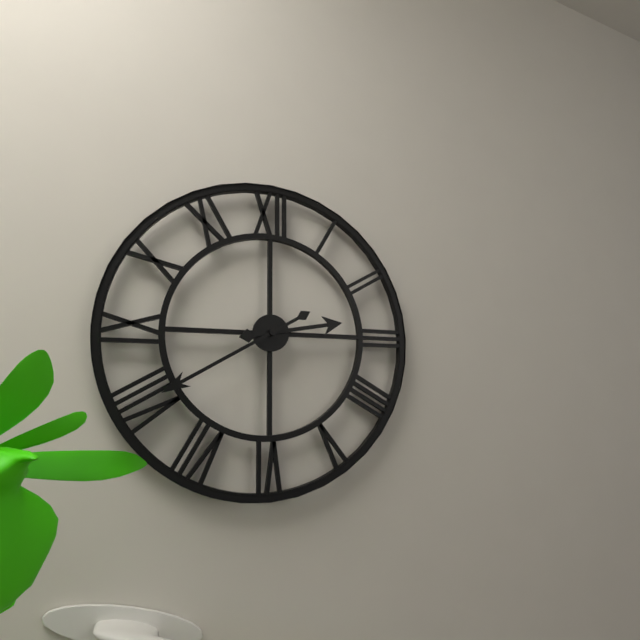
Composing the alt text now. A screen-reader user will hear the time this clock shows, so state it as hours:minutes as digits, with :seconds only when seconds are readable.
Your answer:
2:40
